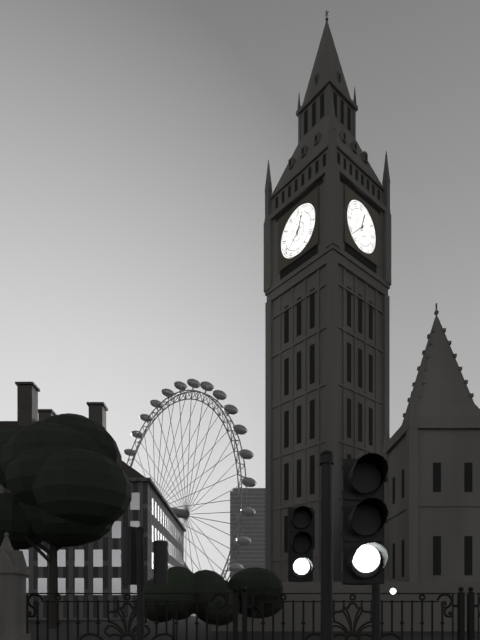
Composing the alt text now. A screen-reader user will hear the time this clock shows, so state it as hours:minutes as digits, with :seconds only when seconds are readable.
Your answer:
12:38
